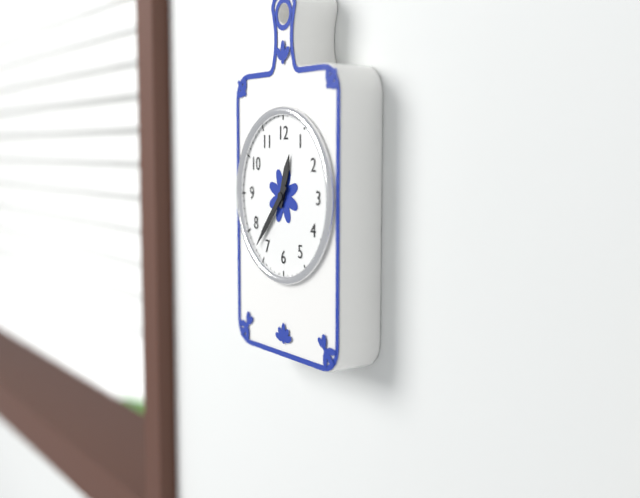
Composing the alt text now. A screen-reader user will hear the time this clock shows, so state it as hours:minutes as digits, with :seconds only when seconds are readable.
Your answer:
12:37
